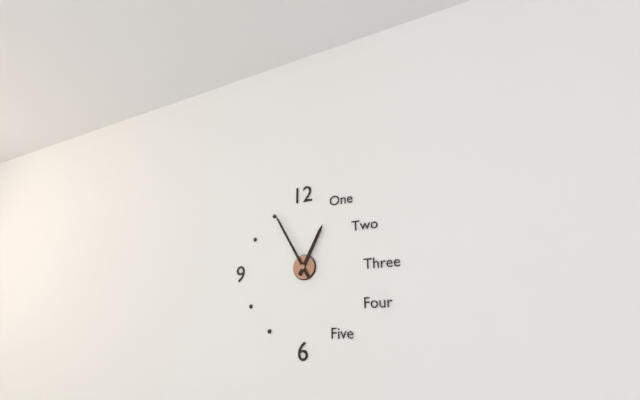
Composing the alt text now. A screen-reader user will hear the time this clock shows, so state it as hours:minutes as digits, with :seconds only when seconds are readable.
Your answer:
12:55
